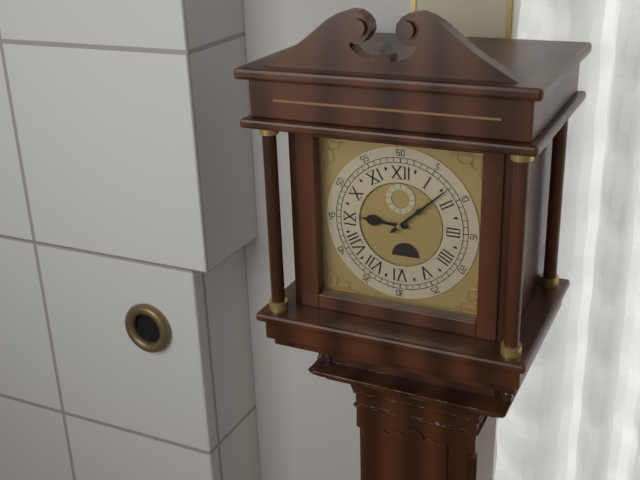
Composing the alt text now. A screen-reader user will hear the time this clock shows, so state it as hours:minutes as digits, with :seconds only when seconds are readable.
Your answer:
9:08
